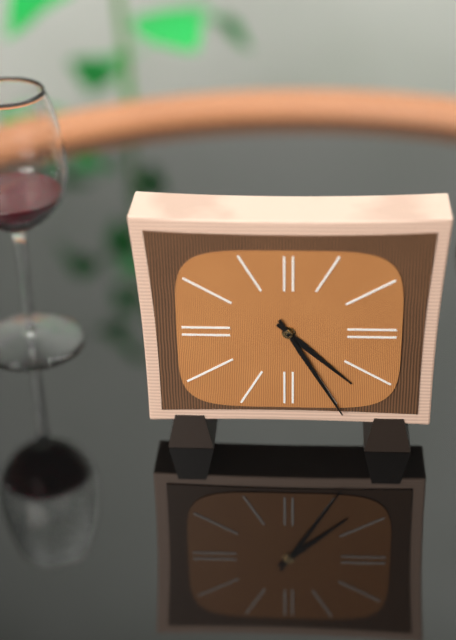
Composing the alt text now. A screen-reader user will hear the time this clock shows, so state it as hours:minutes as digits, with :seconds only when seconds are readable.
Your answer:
4:25
